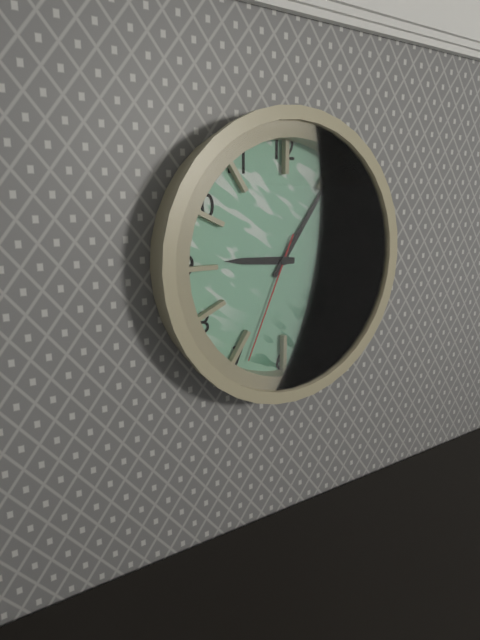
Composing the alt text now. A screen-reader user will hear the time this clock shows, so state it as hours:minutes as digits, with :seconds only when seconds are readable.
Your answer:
9:06:34
